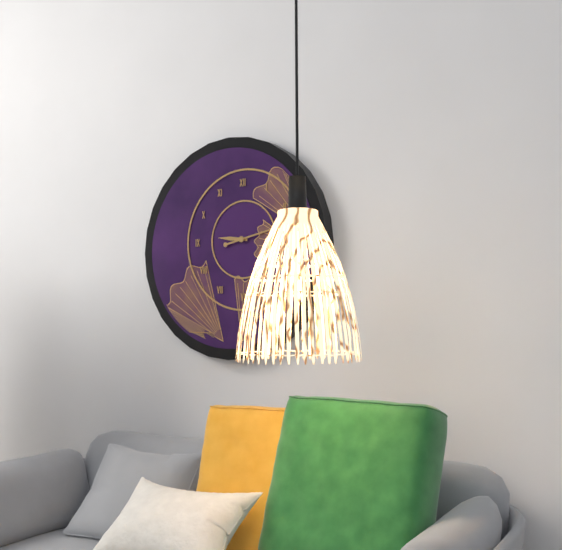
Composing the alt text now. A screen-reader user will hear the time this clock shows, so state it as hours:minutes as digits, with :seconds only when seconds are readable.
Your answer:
9:13
